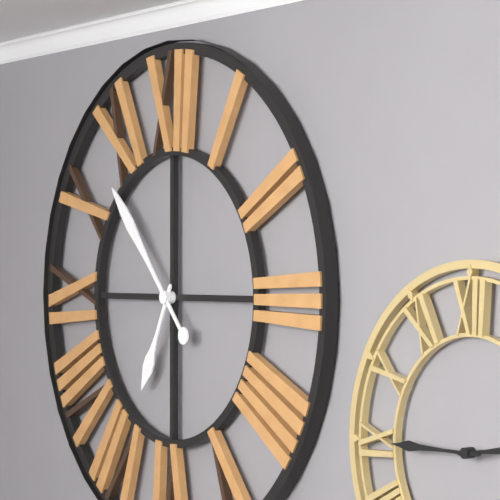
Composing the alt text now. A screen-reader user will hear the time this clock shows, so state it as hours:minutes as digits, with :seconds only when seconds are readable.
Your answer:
6:53
